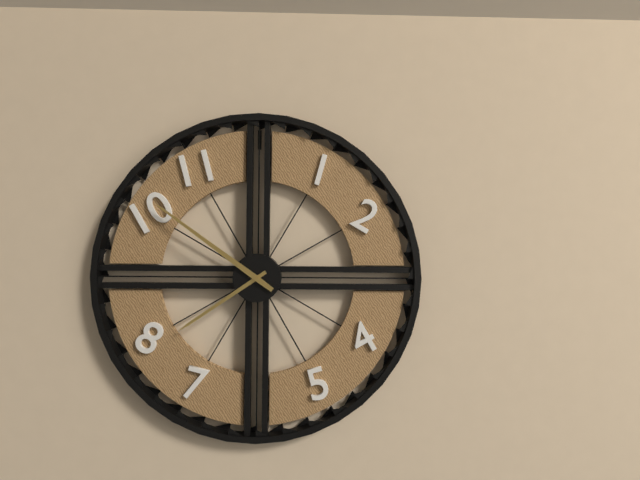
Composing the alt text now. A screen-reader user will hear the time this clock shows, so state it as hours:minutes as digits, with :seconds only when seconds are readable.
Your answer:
7:51
